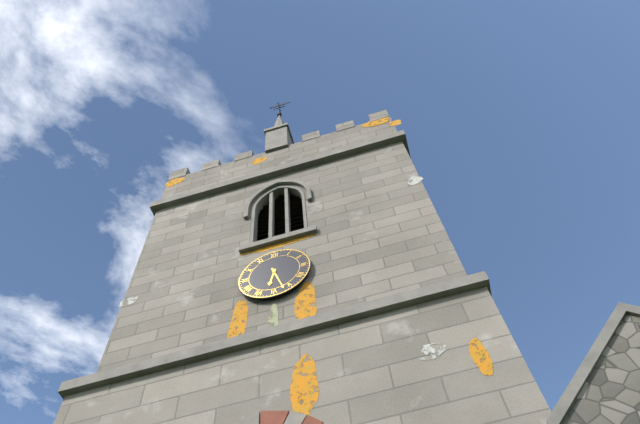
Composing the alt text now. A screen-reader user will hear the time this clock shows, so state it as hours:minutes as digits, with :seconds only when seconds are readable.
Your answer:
6:27
